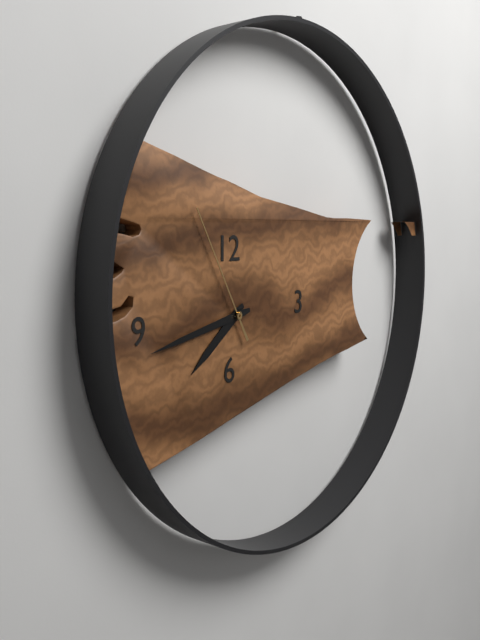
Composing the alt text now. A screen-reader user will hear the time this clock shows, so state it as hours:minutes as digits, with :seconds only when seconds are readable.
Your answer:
7:43:55
